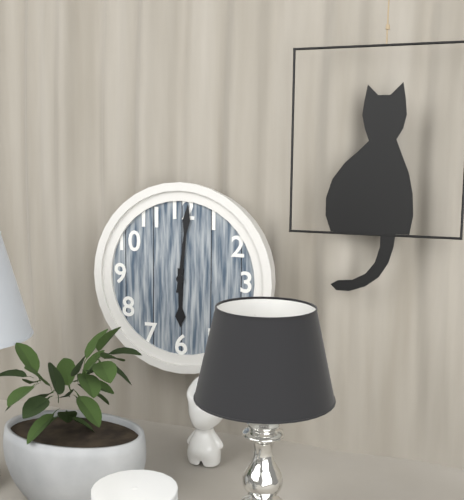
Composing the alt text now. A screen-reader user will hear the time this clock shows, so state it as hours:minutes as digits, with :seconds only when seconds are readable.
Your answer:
6:01
